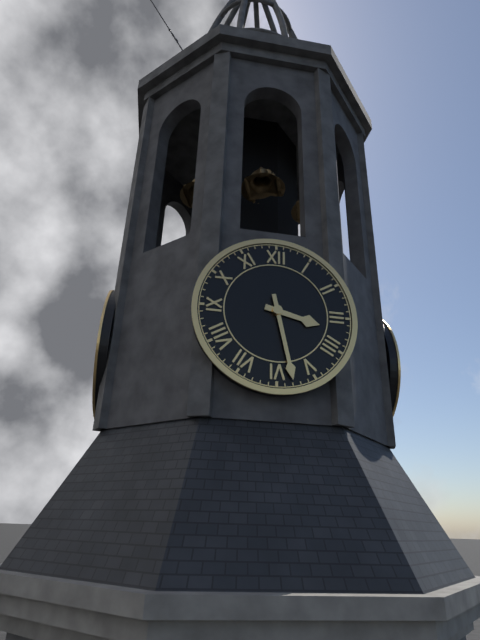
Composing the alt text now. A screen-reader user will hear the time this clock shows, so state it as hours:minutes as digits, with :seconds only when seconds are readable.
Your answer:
3:28
